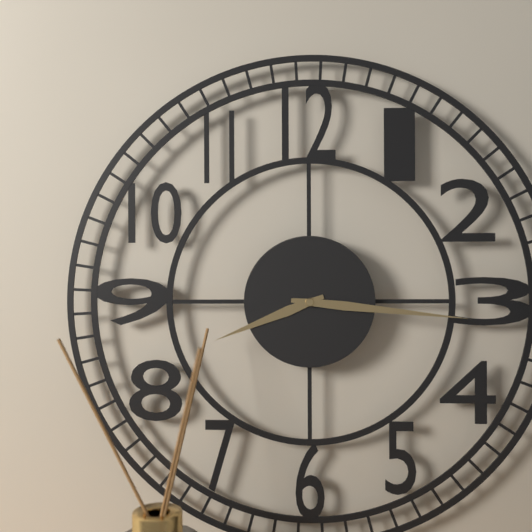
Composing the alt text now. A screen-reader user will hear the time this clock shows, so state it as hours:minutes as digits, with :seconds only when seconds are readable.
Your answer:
8:16
